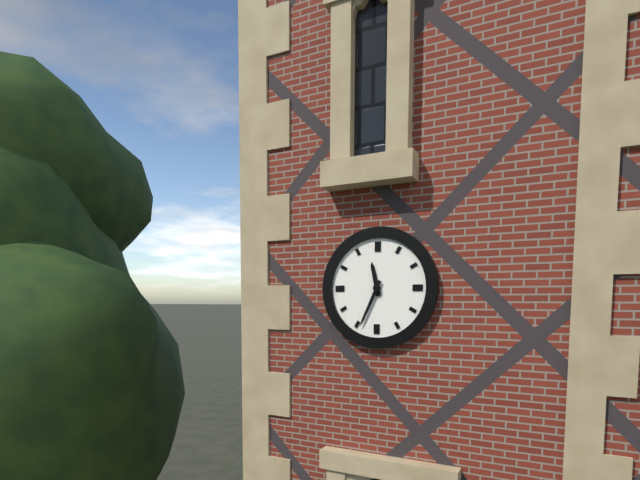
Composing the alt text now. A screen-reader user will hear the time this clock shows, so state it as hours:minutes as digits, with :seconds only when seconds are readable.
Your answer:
11:34
